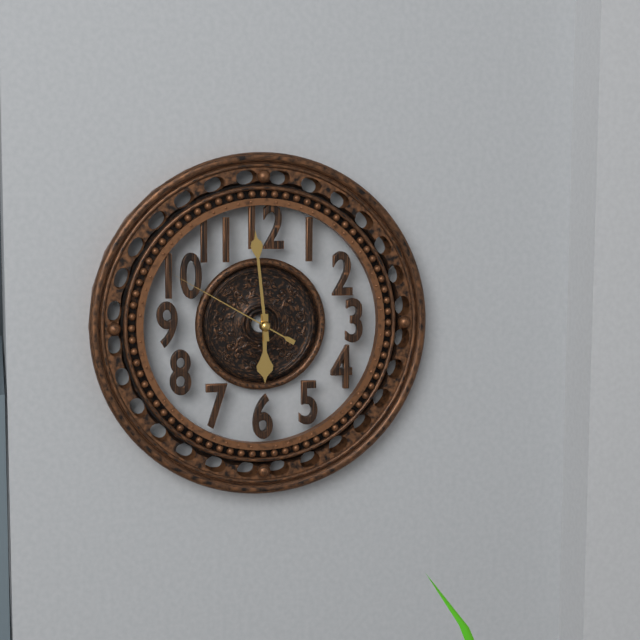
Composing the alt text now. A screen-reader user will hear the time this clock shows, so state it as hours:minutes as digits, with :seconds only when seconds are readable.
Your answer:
5:59:50
